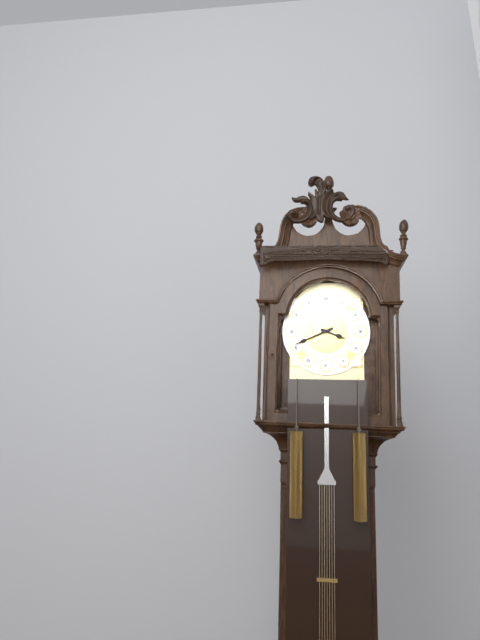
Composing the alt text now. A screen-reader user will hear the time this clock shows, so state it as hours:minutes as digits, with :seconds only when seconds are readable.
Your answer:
3:41
